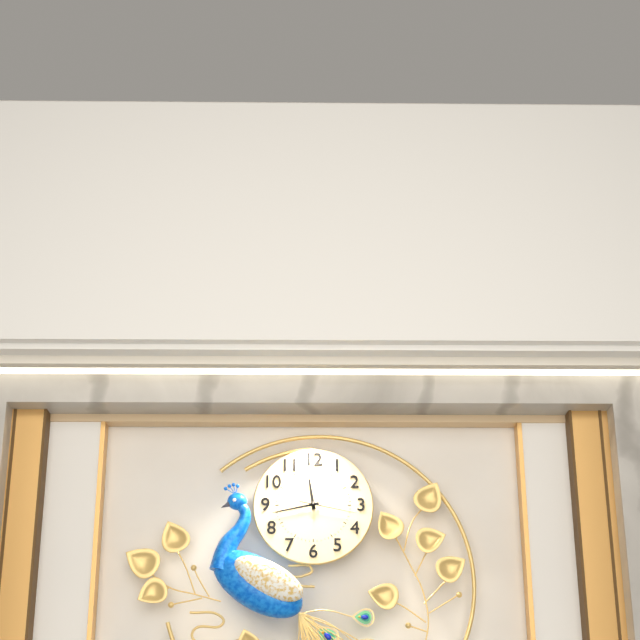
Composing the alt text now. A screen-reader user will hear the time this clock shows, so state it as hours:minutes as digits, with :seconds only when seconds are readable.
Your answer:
11:43:17
